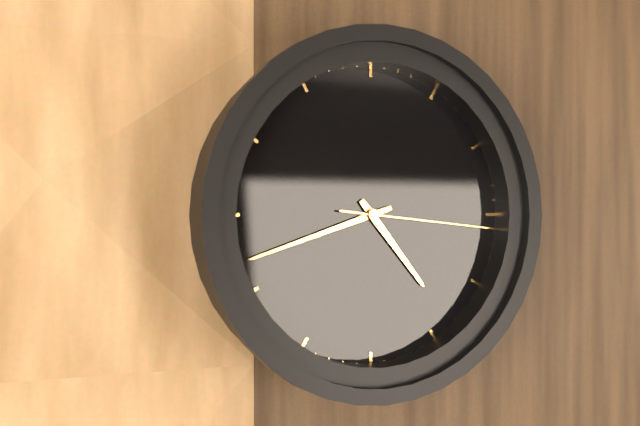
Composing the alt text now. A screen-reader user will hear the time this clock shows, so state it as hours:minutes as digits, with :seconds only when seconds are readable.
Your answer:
4:42:16
